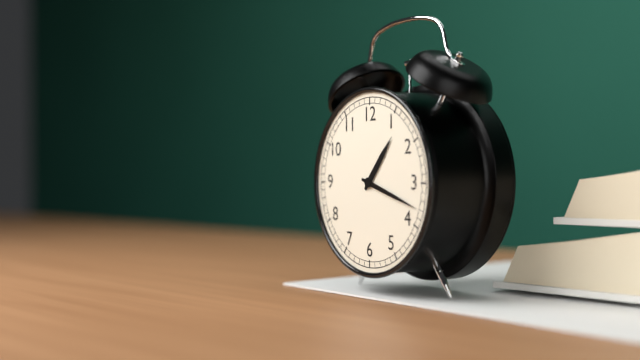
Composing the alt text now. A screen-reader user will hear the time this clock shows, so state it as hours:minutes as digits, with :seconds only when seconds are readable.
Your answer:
1:18
